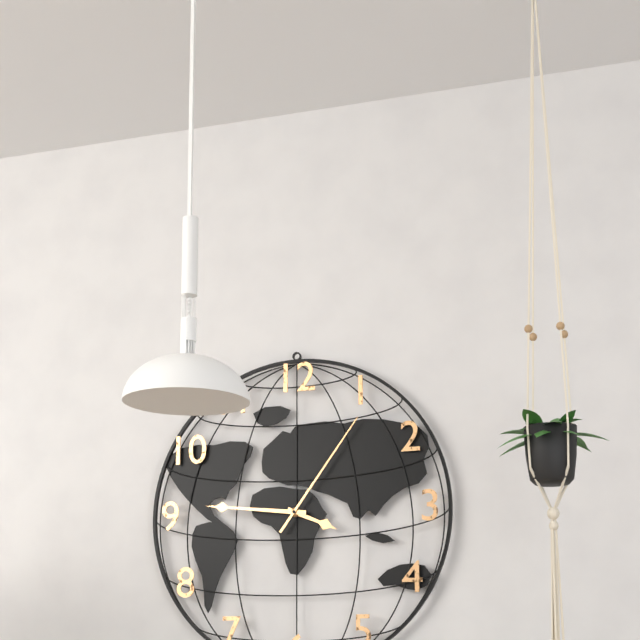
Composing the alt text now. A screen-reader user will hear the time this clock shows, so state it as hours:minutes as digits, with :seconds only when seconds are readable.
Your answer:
3:46:06
